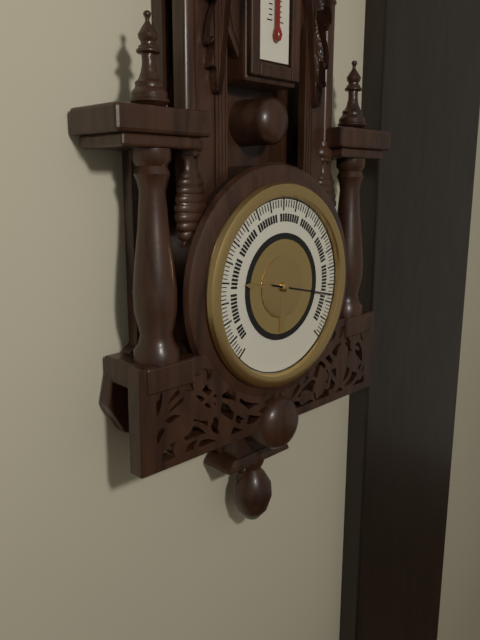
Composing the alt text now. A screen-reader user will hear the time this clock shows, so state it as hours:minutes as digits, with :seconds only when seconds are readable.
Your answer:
9:17
